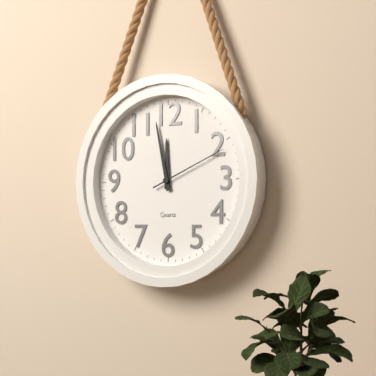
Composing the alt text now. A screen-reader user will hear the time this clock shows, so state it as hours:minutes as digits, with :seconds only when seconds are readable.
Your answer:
11:58:11
